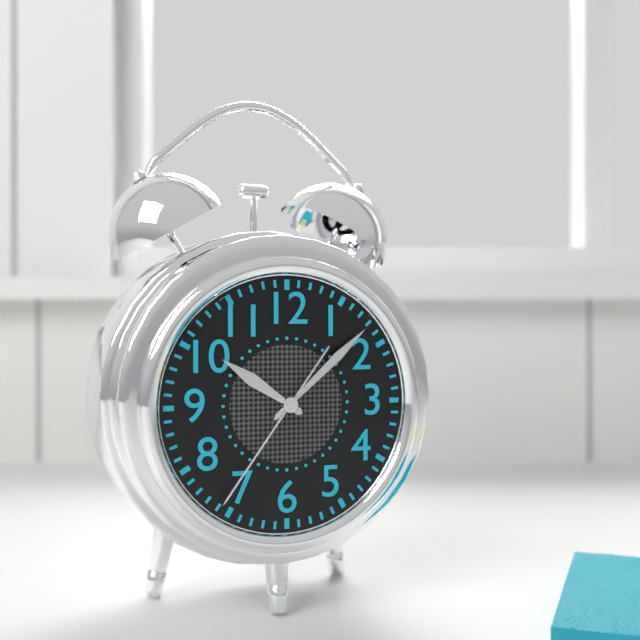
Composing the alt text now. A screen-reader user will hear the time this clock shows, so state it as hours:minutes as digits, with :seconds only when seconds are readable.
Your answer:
10:08:36
